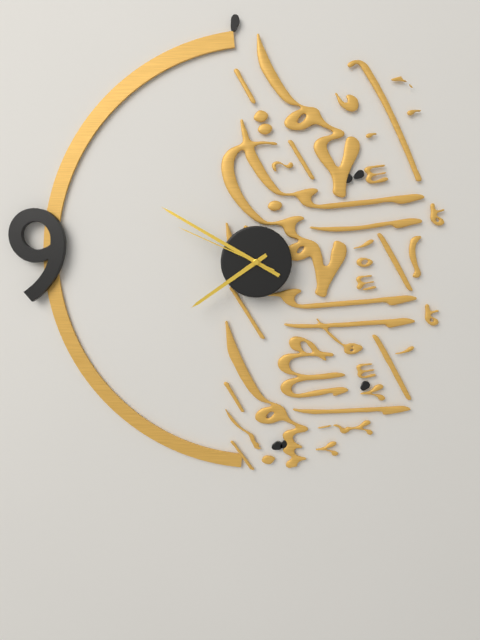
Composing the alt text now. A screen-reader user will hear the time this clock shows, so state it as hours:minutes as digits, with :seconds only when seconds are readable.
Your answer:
7:50:49
